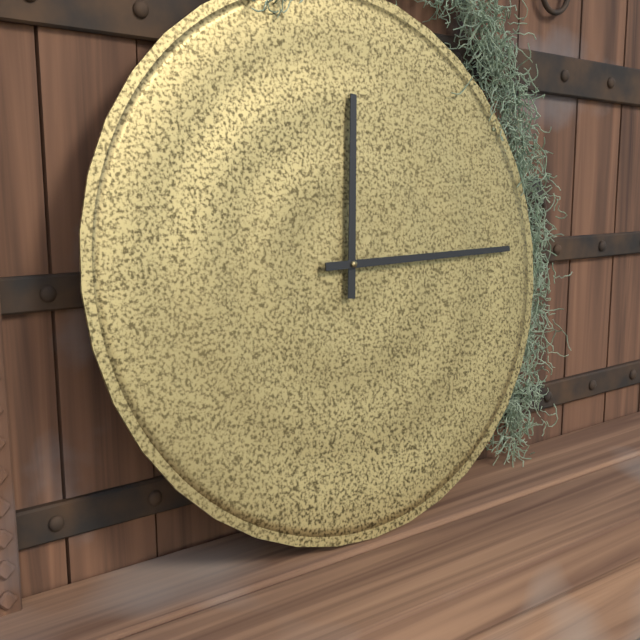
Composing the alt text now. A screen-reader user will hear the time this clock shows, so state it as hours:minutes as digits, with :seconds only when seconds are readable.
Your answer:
12:15
